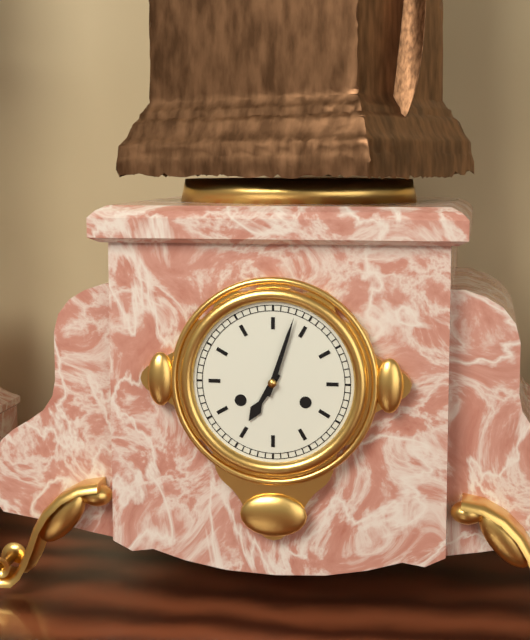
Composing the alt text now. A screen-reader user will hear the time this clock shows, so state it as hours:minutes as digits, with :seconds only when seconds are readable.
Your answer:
7:03
